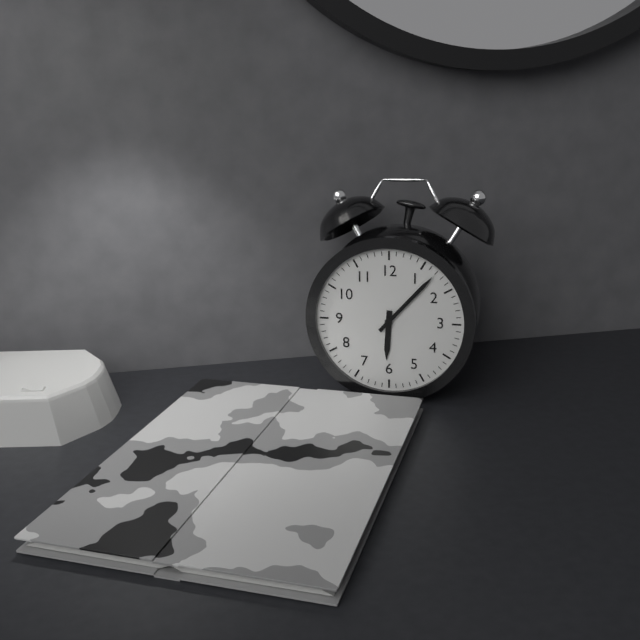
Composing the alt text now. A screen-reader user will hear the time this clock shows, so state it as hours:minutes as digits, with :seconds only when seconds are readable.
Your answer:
6:07
